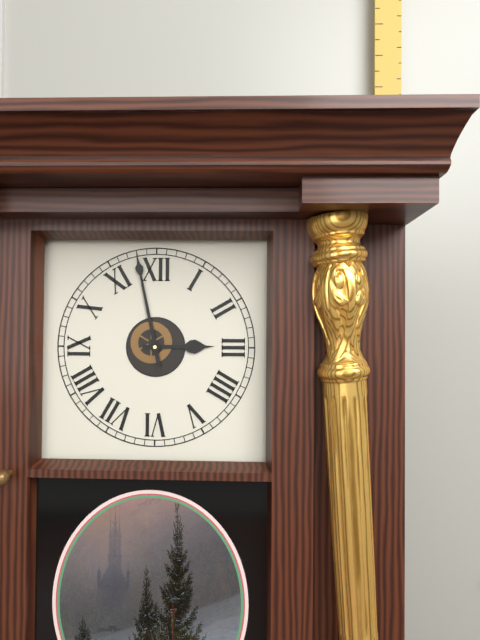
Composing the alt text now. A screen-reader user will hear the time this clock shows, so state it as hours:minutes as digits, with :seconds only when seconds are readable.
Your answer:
2:58
